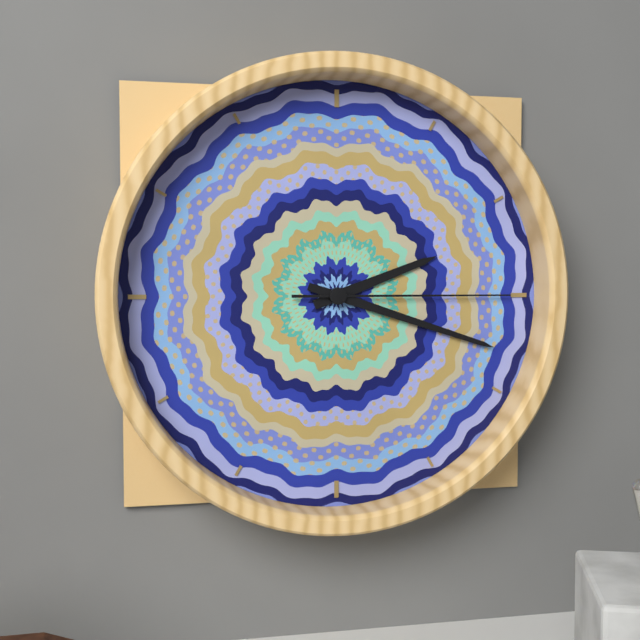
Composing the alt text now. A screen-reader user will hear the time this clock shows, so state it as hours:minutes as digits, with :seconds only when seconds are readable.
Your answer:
2:18:15
